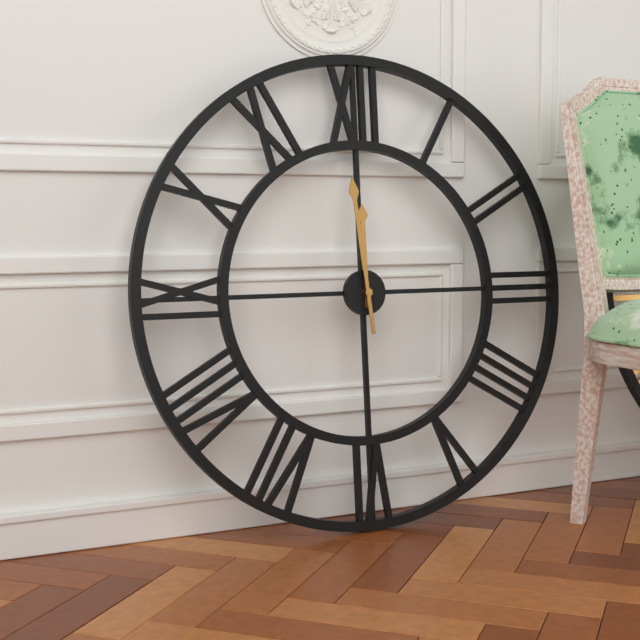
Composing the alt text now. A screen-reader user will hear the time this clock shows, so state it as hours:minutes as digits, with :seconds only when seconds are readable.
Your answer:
11:59
